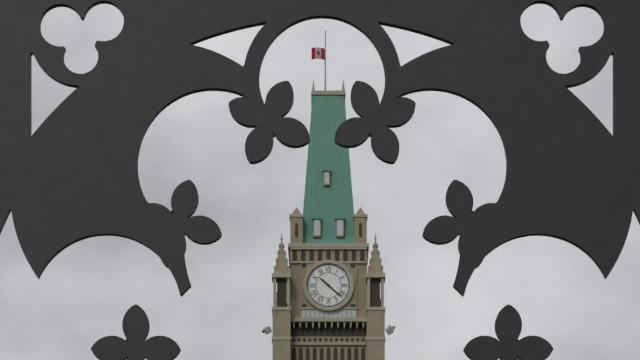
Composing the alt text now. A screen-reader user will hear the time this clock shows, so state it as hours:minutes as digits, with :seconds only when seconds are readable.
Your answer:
10:22
